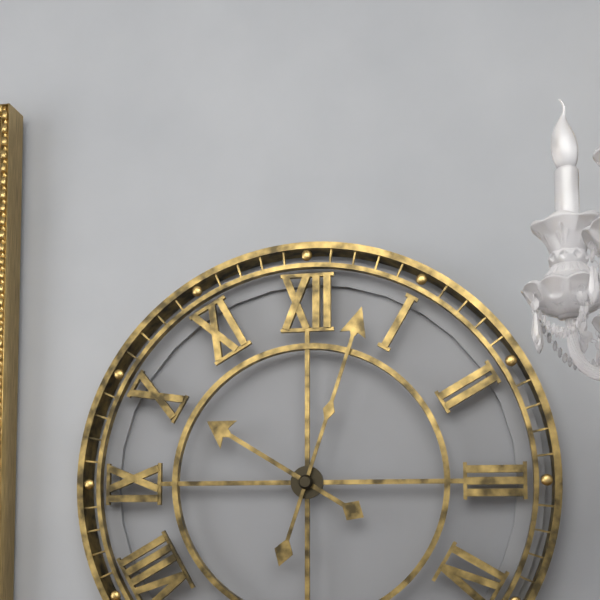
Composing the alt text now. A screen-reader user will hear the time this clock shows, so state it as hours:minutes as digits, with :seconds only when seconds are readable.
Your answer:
10:03
